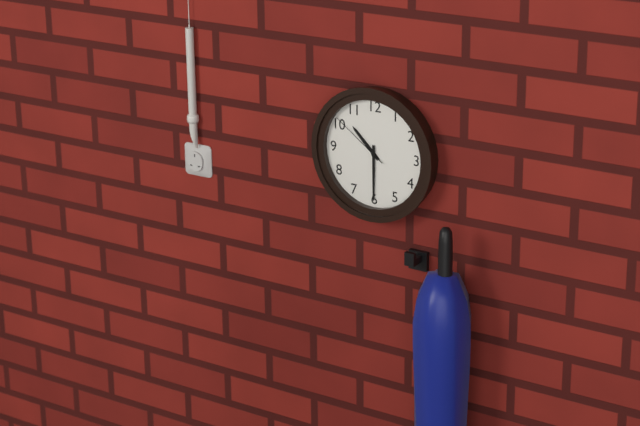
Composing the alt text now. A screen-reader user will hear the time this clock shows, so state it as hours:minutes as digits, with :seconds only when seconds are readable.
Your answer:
10:30:51
